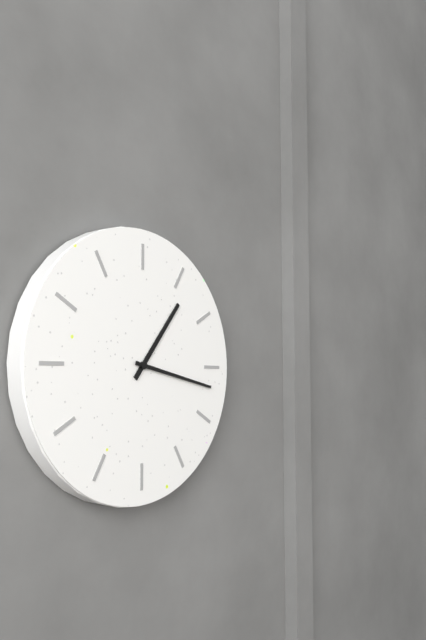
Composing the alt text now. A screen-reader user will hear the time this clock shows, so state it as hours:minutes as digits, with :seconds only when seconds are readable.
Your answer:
1:17
